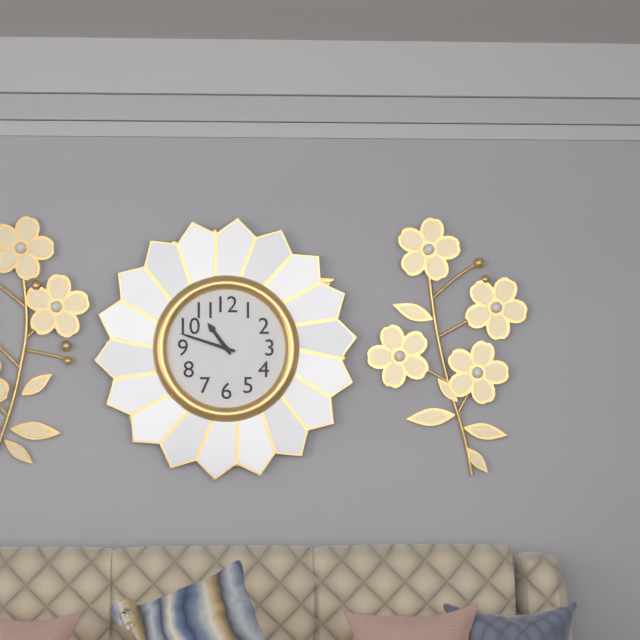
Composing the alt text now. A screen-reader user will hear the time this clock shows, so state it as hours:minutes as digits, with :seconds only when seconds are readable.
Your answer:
10:48
